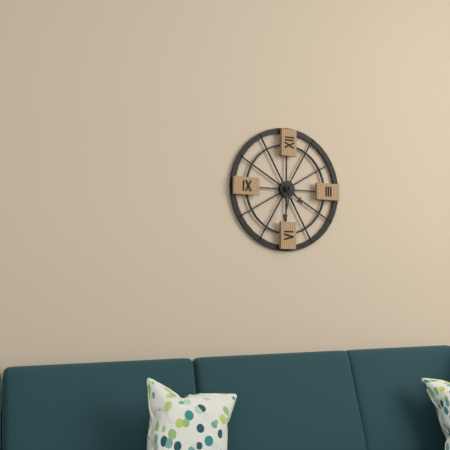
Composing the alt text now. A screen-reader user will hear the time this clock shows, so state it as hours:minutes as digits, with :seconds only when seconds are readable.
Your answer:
4:32
